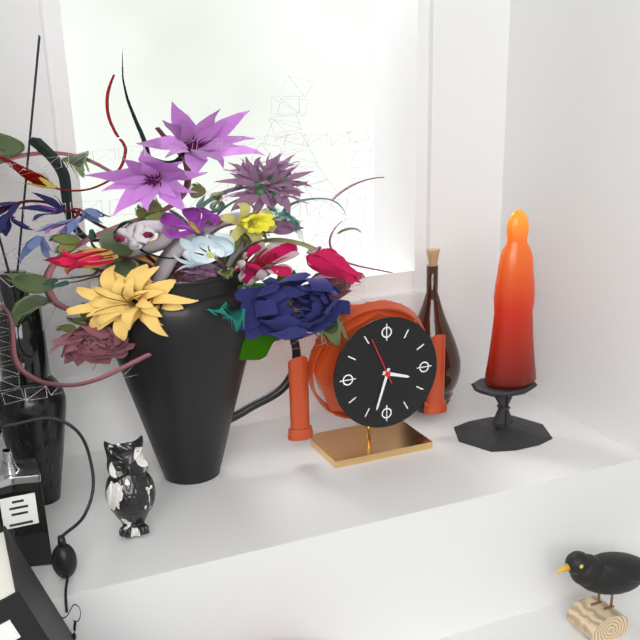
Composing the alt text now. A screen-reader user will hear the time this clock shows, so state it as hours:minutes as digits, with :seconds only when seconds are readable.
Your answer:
3:33
